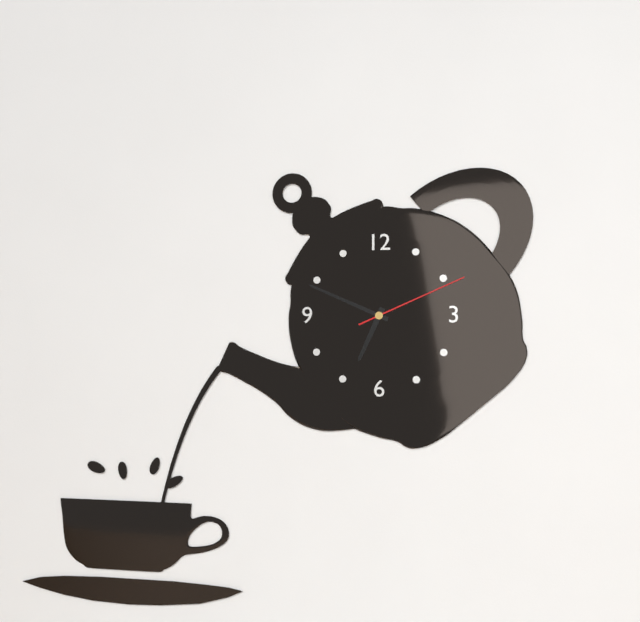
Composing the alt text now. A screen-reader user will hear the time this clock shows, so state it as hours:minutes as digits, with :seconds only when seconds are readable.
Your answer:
6:49:11
